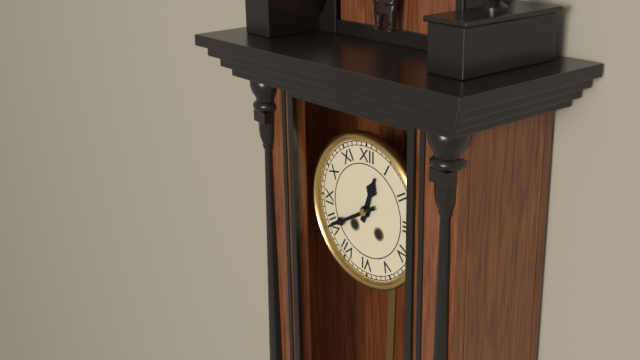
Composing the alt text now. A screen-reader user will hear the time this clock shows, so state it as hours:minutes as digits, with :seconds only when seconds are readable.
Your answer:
12:40
